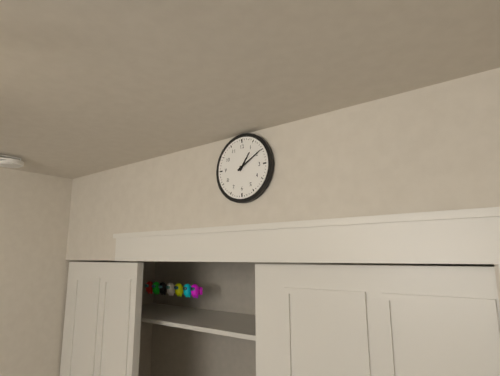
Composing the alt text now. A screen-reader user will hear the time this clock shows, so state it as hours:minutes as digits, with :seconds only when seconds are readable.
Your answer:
1:10
